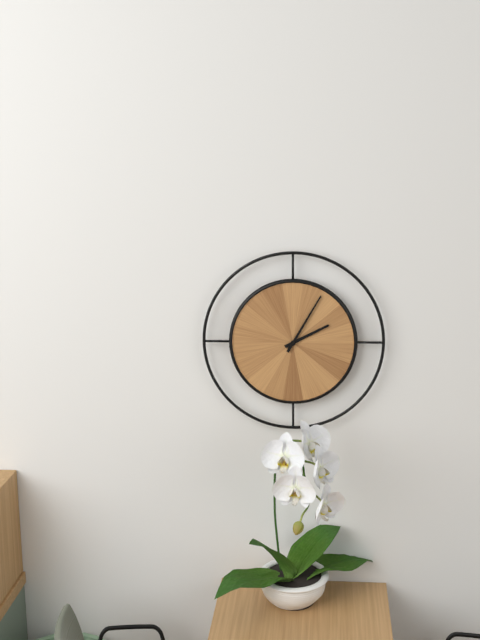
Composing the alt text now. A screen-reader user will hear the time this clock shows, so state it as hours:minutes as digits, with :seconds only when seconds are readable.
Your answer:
2:05
